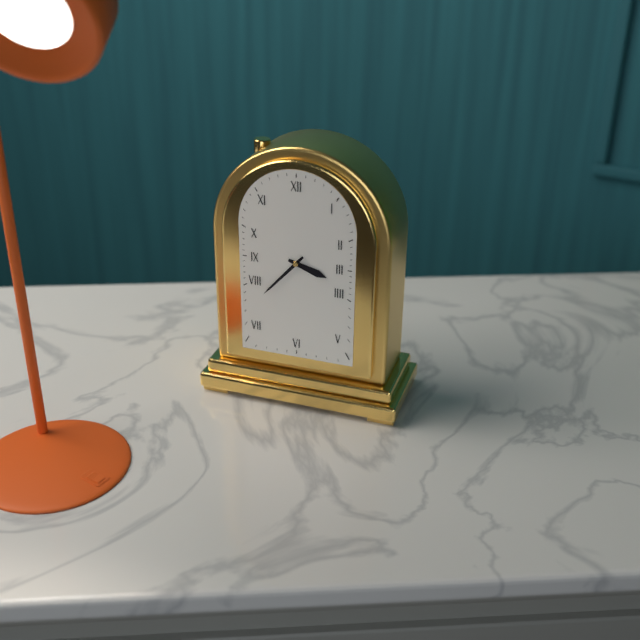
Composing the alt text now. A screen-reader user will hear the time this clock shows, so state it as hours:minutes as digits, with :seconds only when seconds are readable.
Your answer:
3:37
